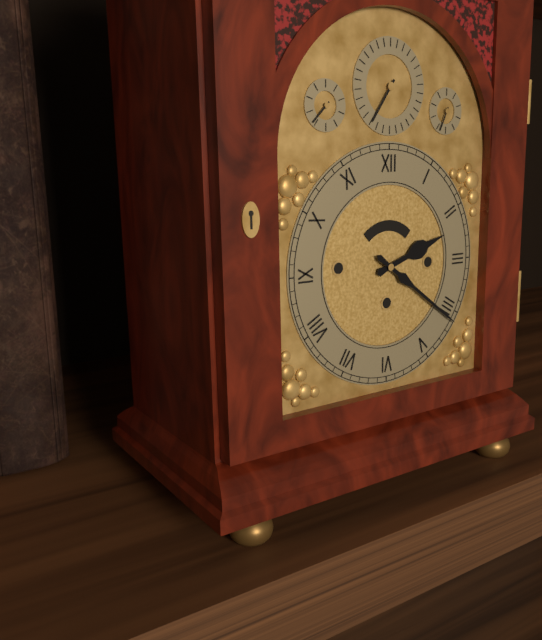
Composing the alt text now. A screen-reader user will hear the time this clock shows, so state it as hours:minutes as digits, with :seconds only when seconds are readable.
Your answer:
2:21
